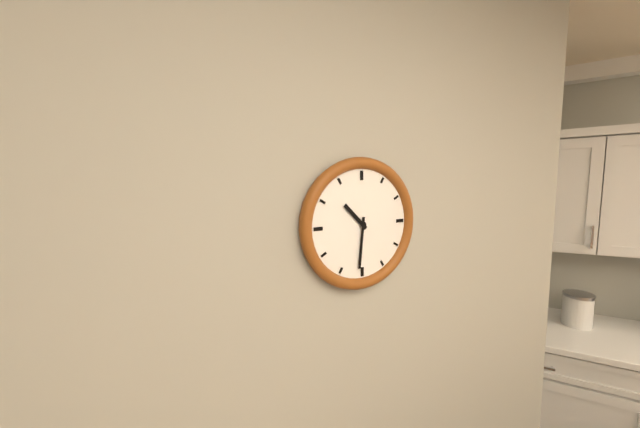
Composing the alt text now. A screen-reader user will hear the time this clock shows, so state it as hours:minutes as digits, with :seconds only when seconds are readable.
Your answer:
10:31
